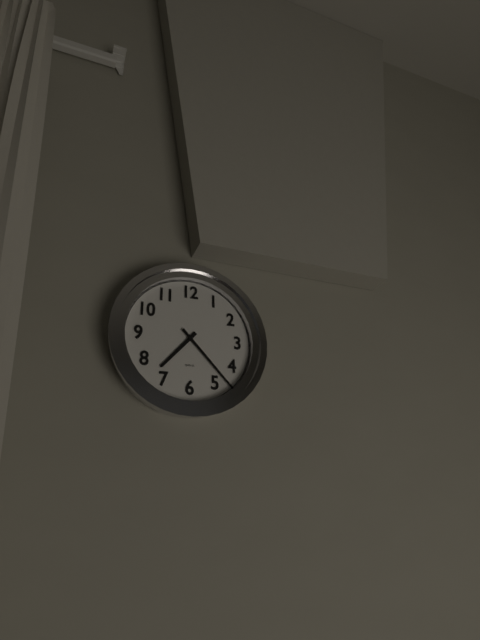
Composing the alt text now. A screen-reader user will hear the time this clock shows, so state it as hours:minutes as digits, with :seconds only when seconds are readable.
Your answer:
7:23
